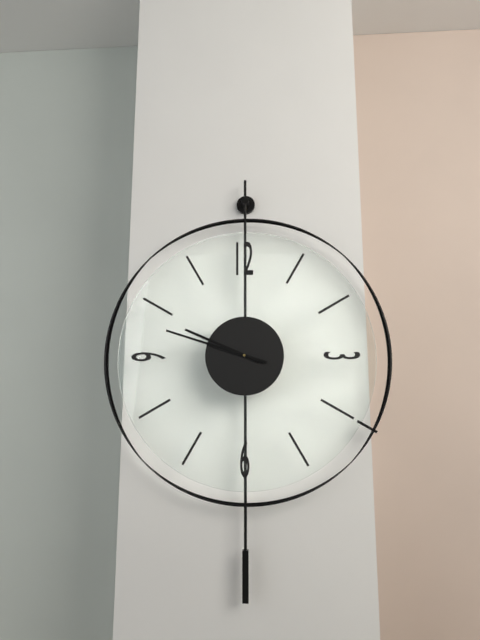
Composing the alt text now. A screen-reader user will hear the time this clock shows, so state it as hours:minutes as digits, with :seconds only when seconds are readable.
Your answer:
9:48
